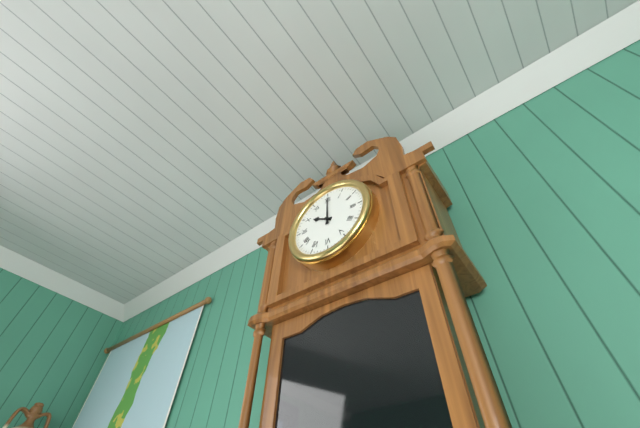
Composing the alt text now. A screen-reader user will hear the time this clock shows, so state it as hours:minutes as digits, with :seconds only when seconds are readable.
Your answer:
10:00
